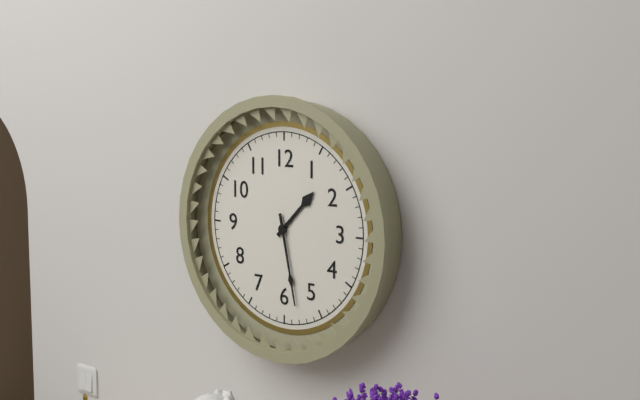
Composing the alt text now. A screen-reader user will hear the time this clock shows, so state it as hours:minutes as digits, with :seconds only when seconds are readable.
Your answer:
1:28
